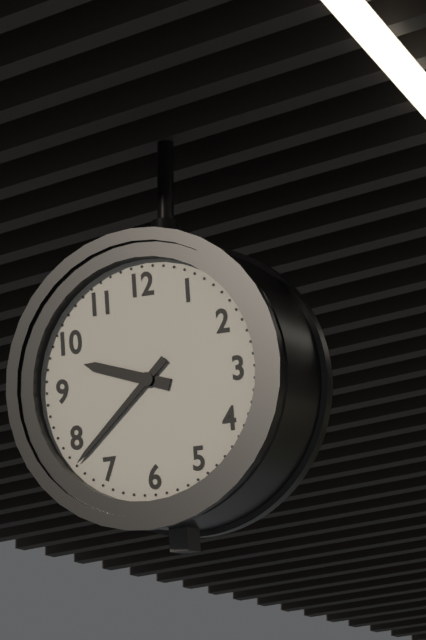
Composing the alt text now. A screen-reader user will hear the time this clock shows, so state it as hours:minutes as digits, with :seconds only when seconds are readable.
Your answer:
9:38
